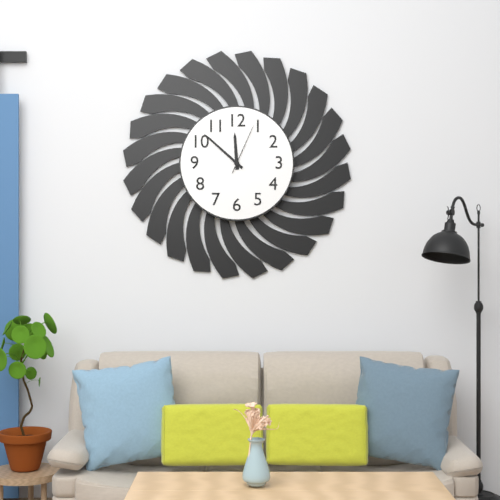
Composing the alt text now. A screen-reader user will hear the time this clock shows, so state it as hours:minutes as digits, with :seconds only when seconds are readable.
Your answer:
11:52:04
